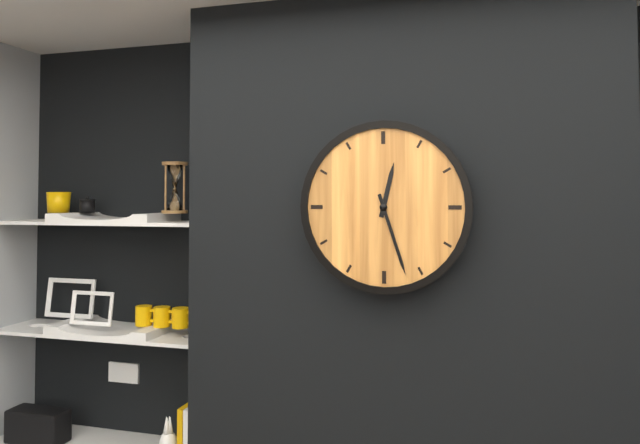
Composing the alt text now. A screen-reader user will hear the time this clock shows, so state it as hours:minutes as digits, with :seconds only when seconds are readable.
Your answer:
12:27
